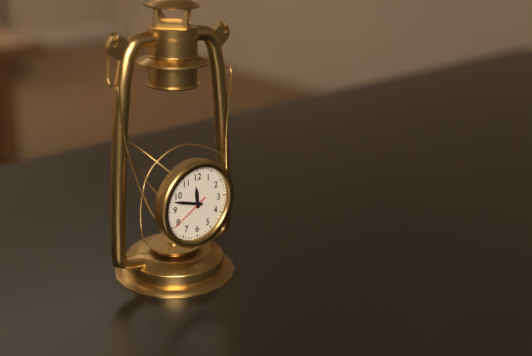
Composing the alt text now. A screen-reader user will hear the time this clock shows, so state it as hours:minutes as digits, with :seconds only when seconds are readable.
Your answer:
11:48
